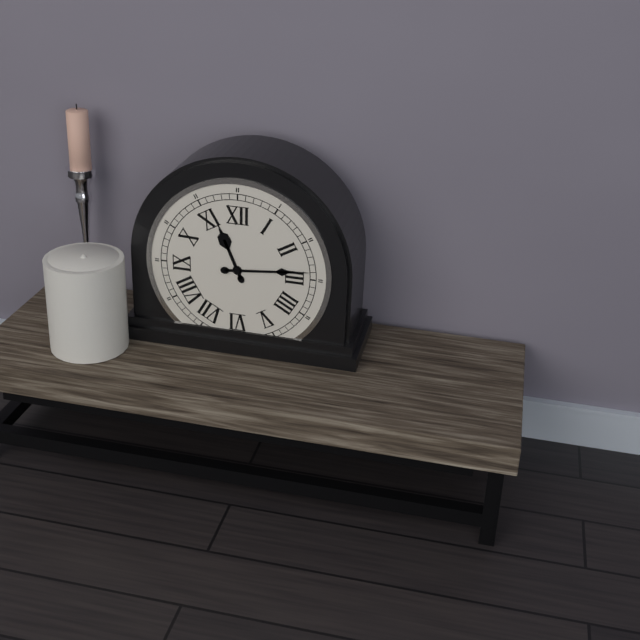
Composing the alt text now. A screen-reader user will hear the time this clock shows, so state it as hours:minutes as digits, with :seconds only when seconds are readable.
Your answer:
11:14
